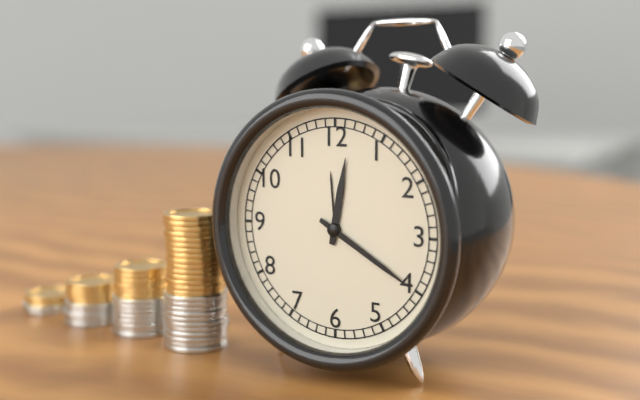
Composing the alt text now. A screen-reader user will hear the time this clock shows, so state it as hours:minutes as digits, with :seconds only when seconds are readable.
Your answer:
12:20
